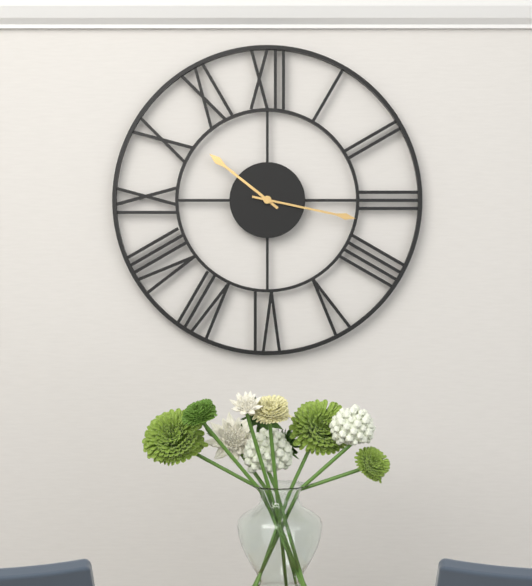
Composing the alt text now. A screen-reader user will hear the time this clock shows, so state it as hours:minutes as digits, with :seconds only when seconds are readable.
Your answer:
10:17
